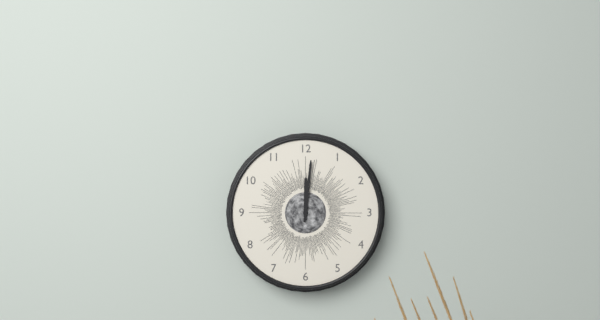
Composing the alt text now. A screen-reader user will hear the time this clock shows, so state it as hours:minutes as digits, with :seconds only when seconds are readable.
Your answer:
12:01
